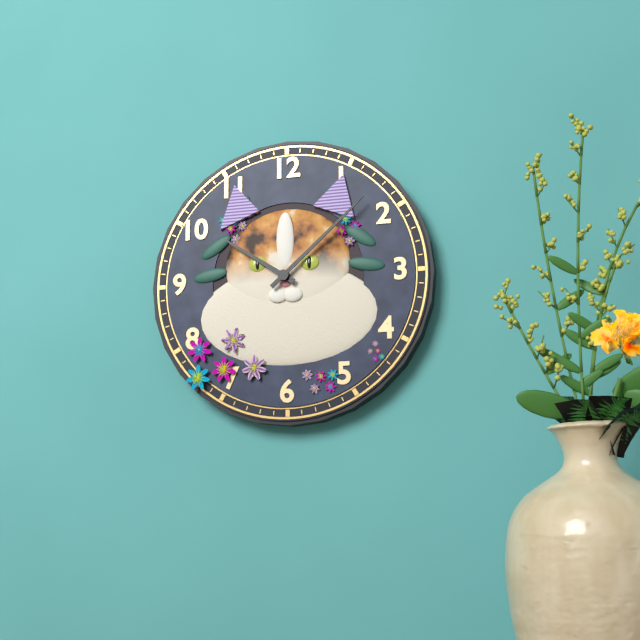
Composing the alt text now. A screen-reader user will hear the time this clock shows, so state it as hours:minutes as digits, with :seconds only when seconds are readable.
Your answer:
10:08
